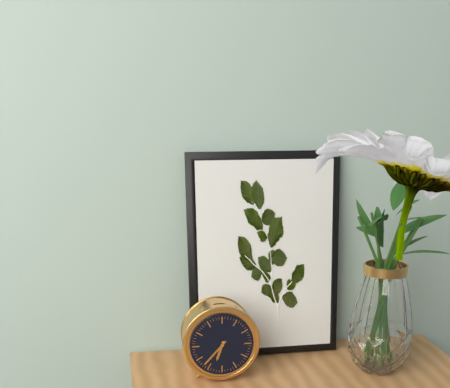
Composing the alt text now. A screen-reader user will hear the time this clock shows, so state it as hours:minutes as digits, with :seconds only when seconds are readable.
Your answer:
6:37
